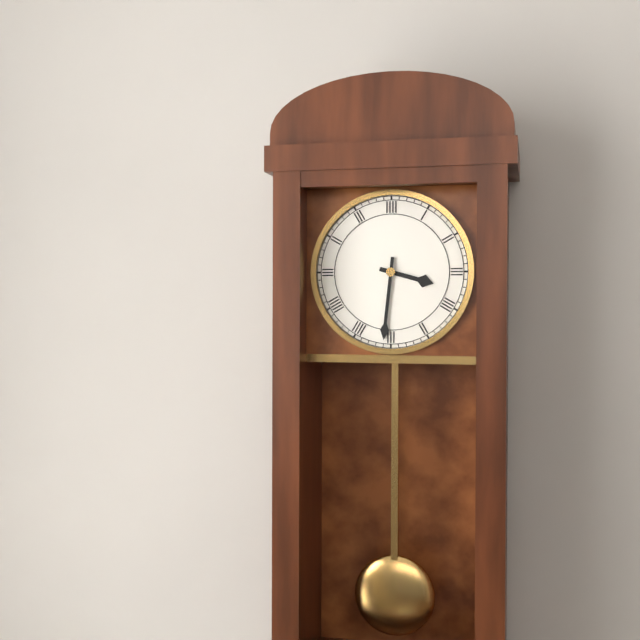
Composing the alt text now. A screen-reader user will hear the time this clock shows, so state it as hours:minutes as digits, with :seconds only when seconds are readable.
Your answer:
3:31
